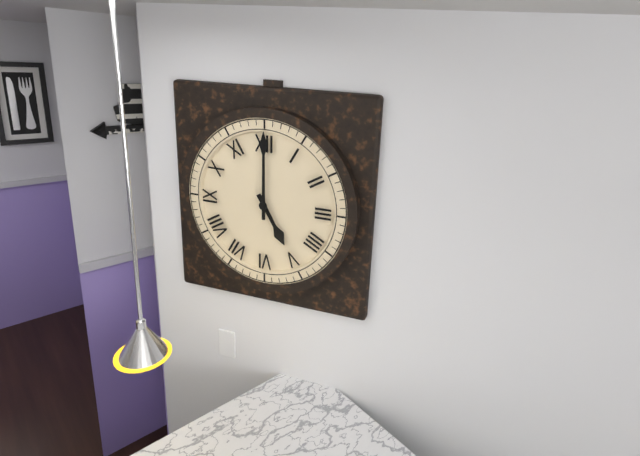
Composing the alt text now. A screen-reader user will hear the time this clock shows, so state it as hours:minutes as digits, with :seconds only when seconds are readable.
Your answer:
5:00
